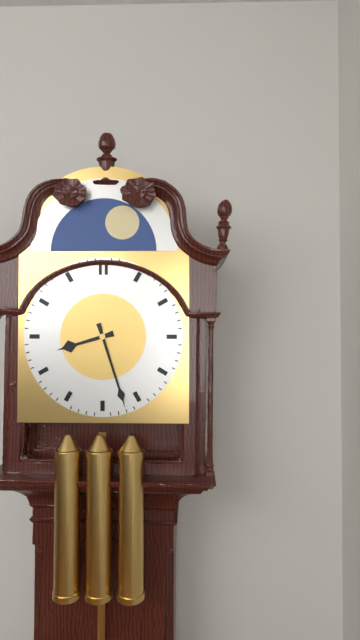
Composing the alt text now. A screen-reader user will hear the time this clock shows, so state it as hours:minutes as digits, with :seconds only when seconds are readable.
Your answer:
8:27
